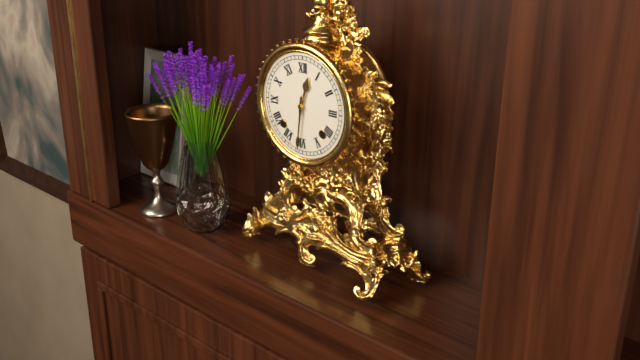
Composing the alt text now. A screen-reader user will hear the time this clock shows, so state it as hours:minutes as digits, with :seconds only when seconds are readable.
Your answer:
12:31
